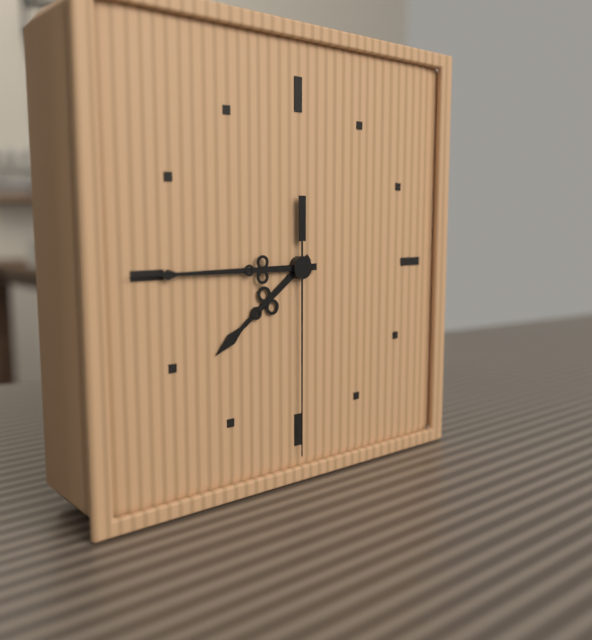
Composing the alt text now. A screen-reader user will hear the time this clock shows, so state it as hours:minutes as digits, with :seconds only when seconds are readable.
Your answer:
7:45:30
